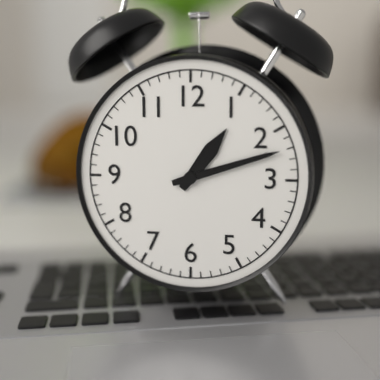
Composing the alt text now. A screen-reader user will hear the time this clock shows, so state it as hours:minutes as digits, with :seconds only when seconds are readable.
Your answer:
1:12
